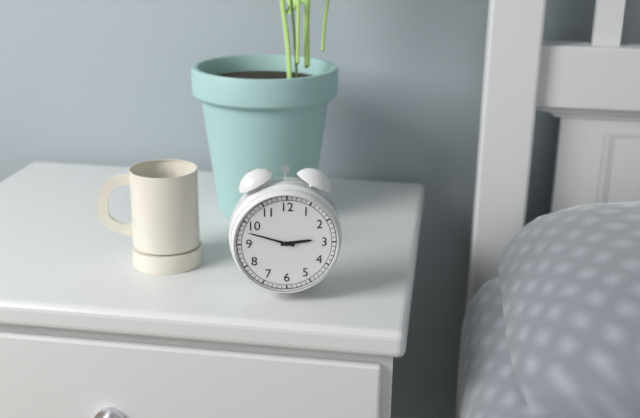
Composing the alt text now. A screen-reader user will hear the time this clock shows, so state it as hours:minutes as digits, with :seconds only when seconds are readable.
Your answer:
2:48
